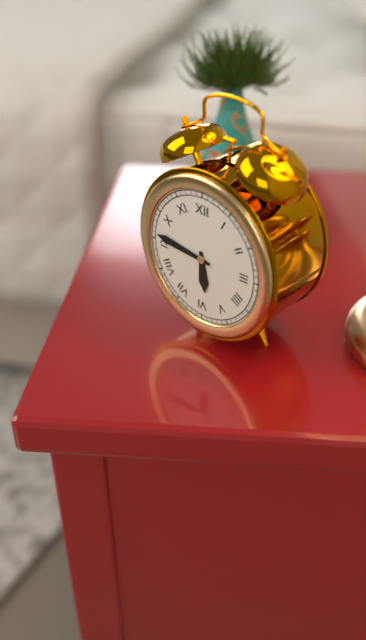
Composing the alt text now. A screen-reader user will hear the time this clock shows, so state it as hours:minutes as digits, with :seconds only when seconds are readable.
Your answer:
5:46
